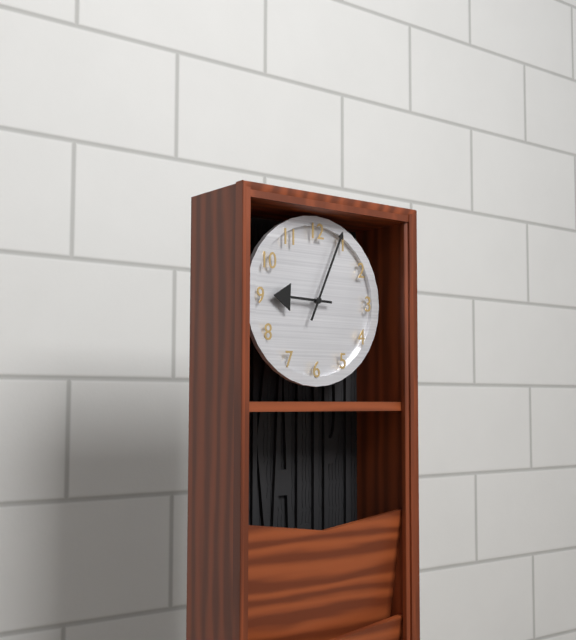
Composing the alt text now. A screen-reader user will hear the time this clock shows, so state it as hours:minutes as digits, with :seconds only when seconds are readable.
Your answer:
9:04
